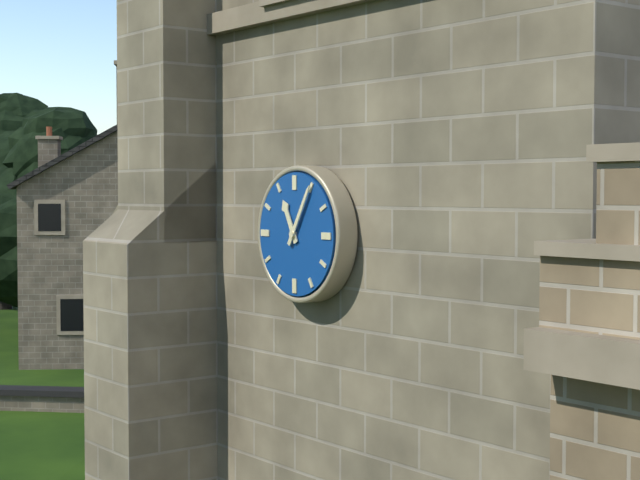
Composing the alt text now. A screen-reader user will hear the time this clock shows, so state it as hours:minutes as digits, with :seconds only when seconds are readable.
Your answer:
11:05
